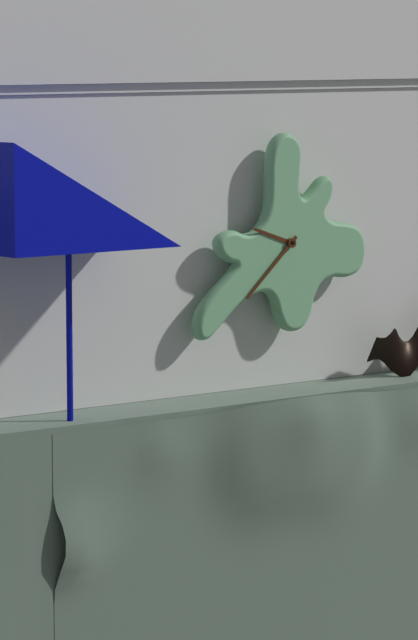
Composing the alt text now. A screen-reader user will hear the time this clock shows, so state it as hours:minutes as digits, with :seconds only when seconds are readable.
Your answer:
9:38
